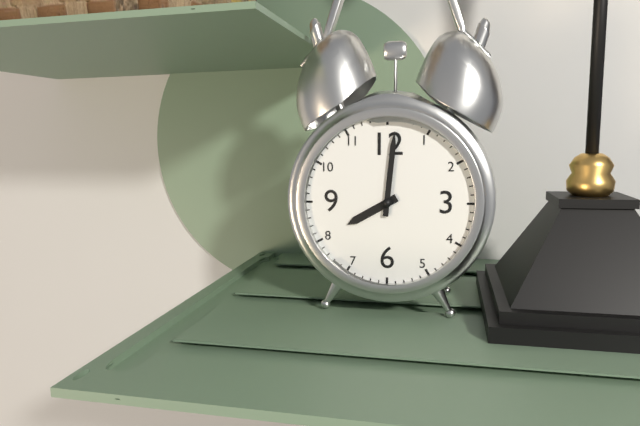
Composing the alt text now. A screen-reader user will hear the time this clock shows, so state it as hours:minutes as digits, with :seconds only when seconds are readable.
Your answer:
8:01
